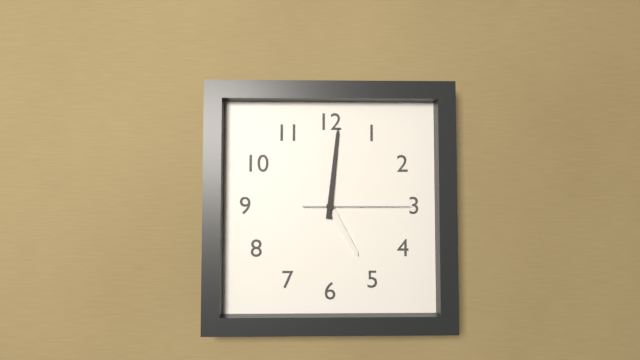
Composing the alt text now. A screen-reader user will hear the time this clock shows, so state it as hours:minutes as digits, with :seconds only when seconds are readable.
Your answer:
5:01:15
